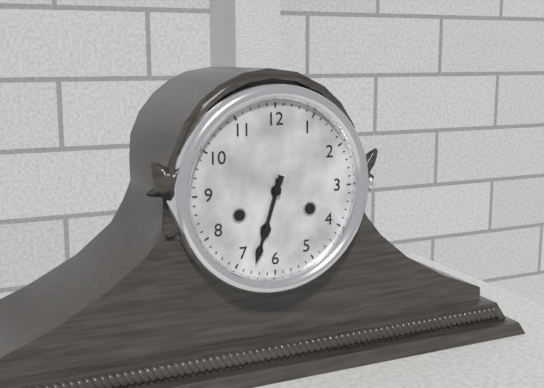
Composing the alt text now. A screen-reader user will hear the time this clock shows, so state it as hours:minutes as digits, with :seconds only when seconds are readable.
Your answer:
6:33
